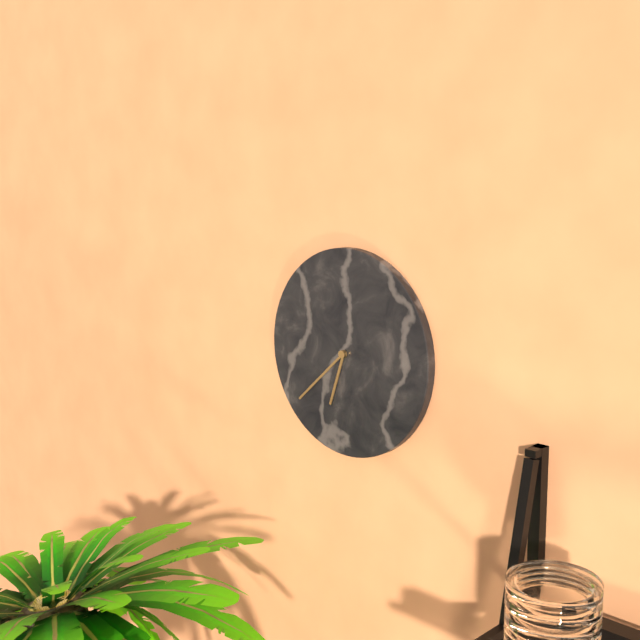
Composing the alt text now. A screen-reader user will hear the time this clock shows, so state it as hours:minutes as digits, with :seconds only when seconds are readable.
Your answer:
6:38
